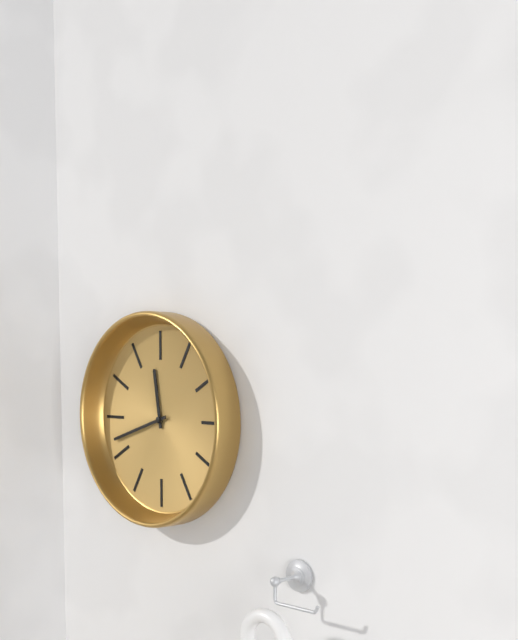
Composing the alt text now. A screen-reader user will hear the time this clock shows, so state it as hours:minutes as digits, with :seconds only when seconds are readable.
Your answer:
11:42
